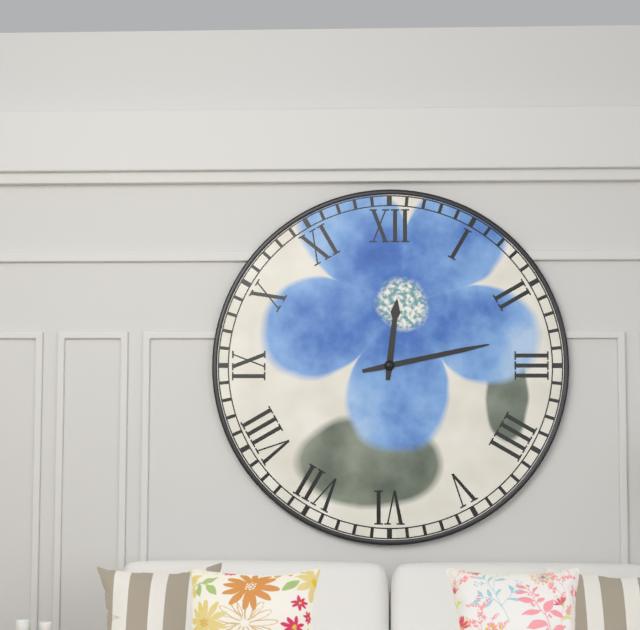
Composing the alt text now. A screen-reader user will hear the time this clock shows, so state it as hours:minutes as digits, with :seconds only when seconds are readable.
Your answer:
12:13
